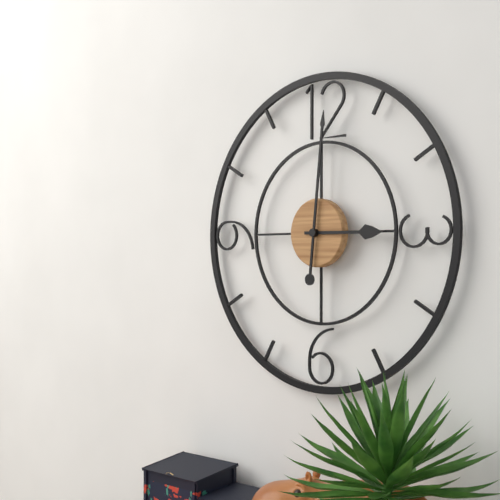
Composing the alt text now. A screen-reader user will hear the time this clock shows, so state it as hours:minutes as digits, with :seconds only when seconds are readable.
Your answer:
3:01
